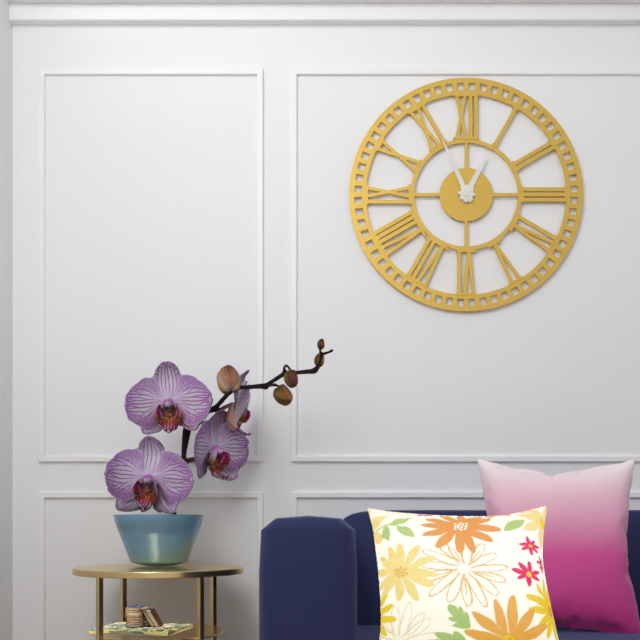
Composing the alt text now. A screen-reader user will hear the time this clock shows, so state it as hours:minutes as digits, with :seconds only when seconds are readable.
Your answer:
12:56
